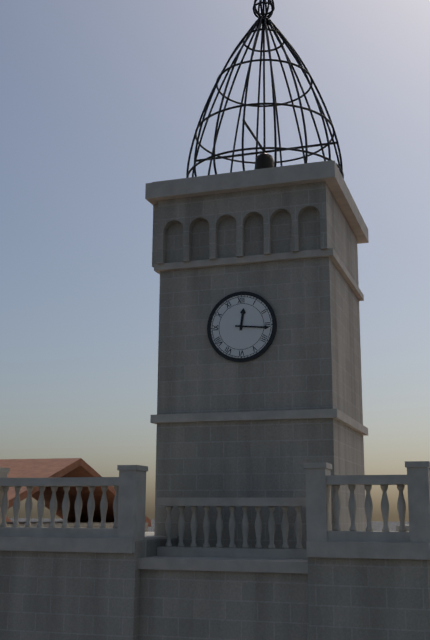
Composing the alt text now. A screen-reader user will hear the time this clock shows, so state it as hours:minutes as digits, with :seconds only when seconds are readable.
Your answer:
12:16
